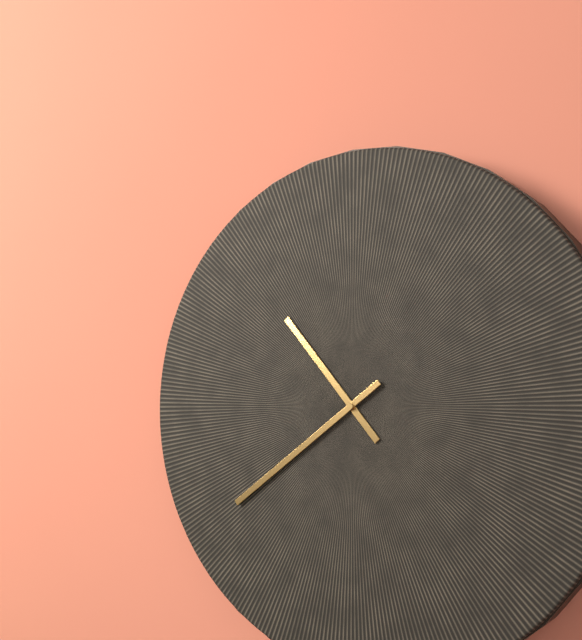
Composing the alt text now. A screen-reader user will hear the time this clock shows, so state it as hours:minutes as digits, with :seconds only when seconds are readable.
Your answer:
10:39
